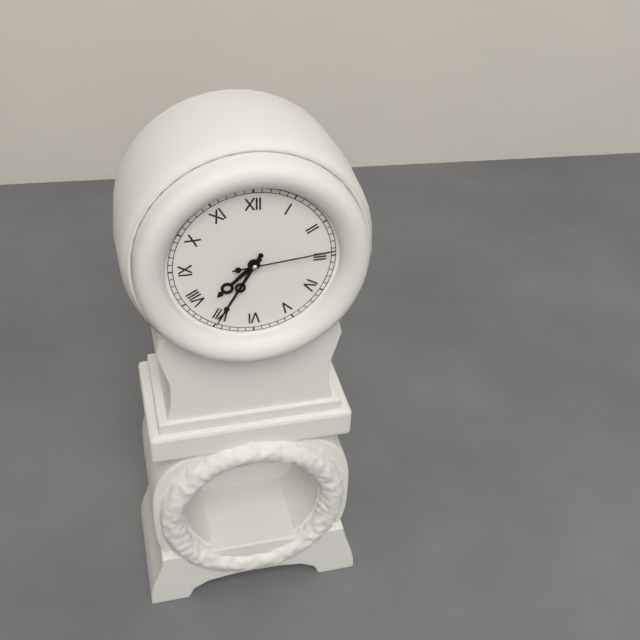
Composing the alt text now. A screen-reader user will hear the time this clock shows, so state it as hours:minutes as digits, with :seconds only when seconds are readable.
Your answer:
7:35:14
